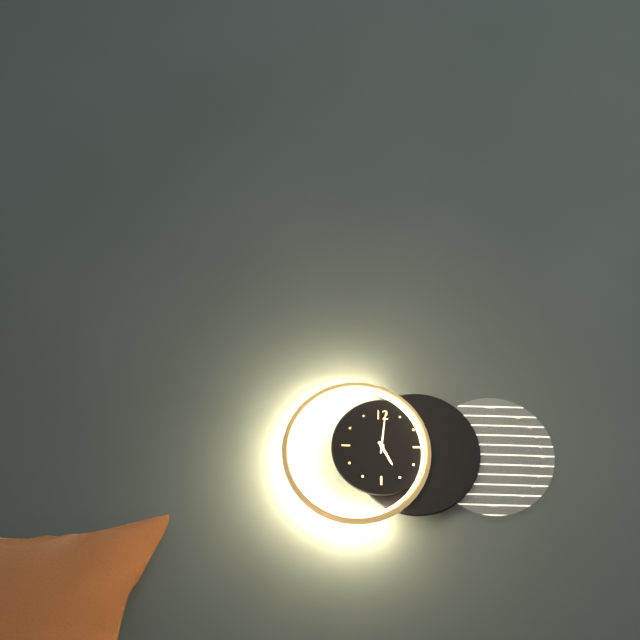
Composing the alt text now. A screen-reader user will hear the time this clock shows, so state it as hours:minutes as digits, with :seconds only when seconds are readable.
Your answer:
5:01
